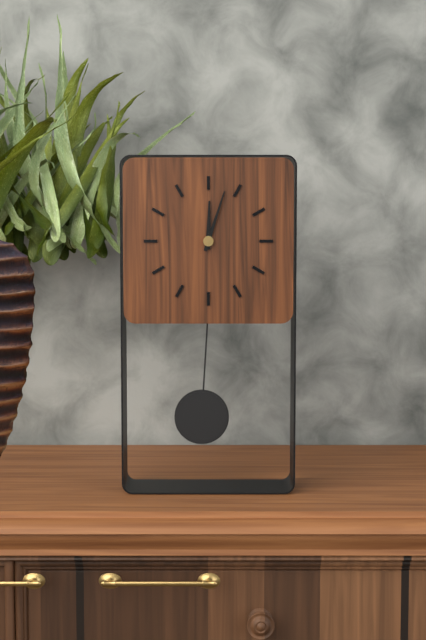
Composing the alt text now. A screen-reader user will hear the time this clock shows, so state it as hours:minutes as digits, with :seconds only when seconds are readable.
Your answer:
12:03
